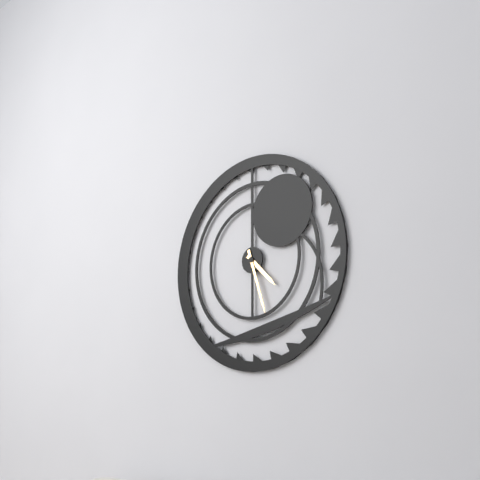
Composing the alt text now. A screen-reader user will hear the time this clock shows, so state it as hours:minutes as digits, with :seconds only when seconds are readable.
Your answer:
4:27
